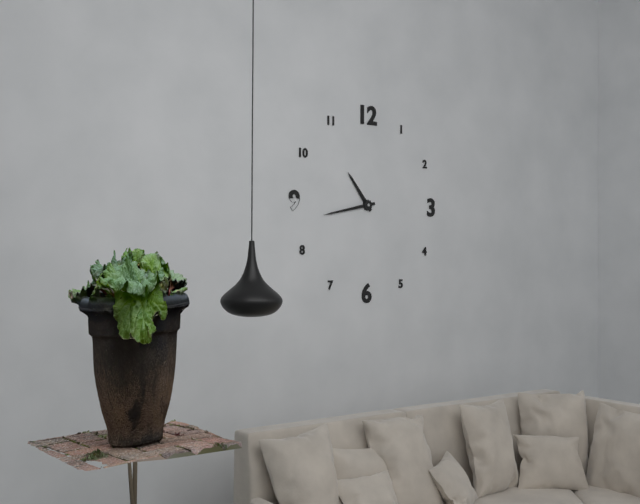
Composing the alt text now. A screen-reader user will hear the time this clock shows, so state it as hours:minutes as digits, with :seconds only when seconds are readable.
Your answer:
10:43
